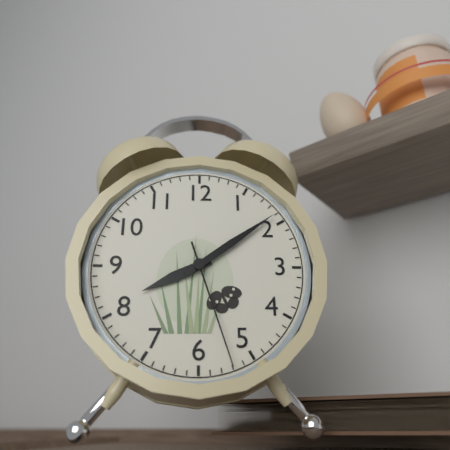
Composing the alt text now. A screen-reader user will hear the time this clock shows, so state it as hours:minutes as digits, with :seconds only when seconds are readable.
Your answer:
8:09:27
